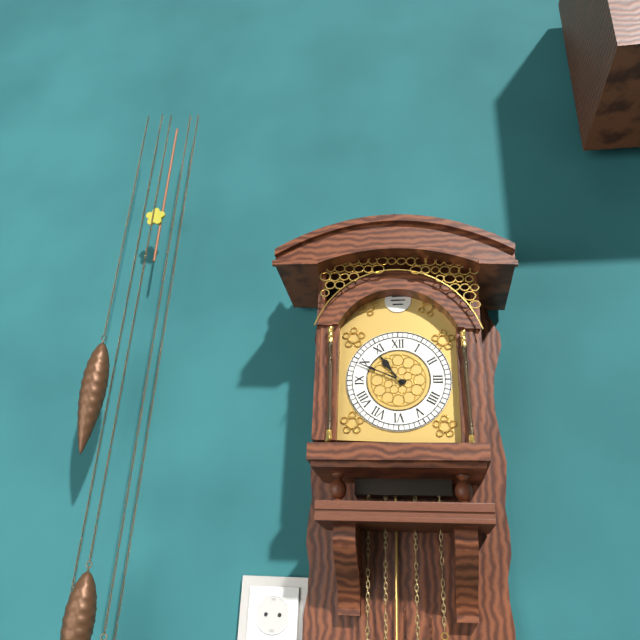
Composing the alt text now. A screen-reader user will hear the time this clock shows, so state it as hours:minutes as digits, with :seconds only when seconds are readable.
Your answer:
10:49
